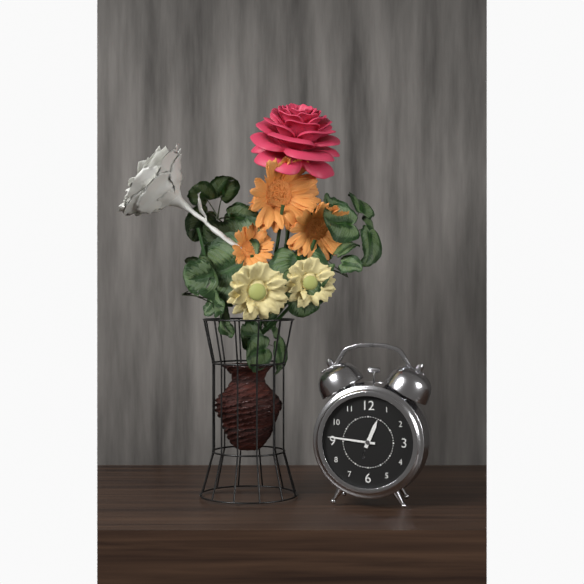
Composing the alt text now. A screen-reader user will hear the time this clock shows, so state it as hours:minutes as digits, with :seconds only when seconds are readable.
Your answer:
12:46
